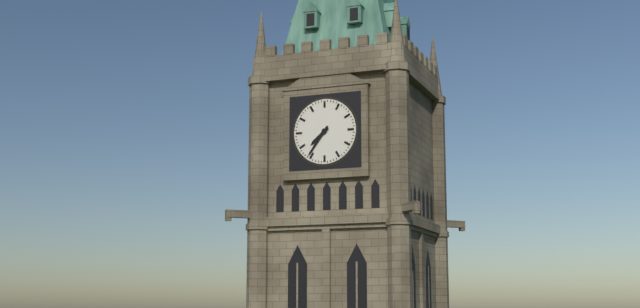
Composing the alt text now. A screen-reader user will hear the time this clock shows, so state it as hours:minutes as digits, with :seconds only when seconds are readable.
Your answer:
7:36
